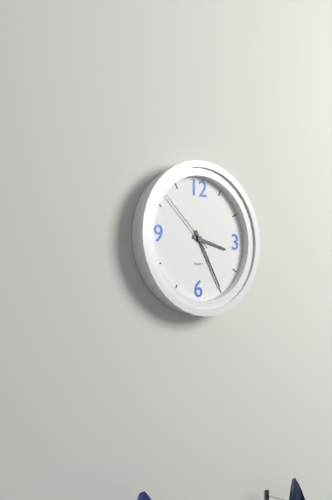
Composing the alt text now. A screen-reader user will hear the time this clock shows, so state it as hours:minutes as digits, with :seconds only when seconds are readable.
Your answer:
3:25:52
